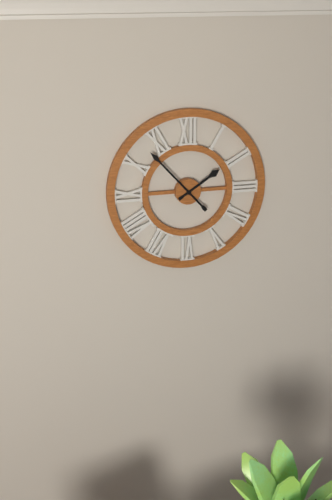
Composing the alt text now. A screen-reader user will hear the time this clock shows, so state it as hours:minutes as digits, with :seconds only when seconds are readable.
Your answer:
1:53
